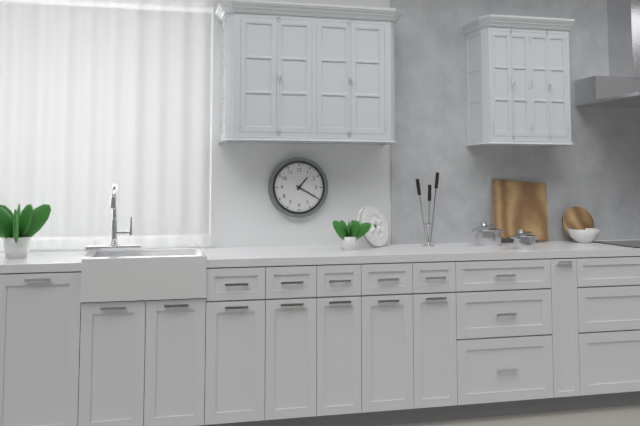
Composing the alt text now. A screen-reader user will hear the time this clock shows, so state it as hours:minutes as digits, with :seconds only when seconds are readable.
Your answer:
1:20
